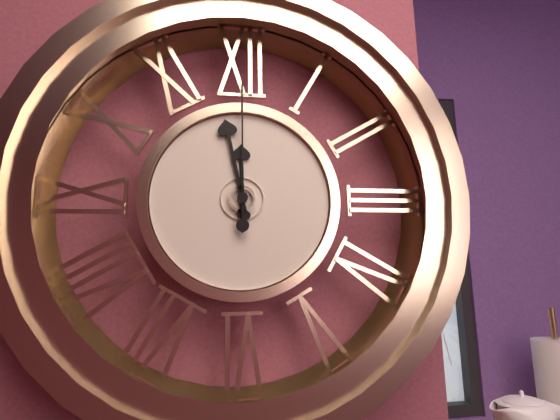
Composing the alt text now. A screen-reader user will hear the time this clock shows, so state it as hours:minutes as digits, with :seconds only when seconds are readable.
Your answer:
11:58:00
